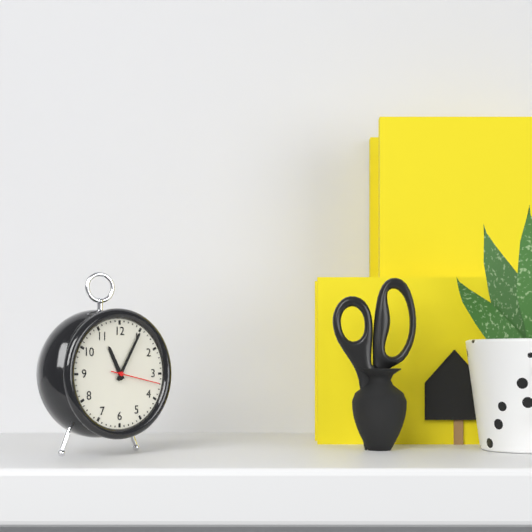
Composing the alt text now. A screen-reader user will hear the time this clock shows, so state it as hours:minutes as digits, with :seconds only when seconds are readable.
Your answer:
11:05
